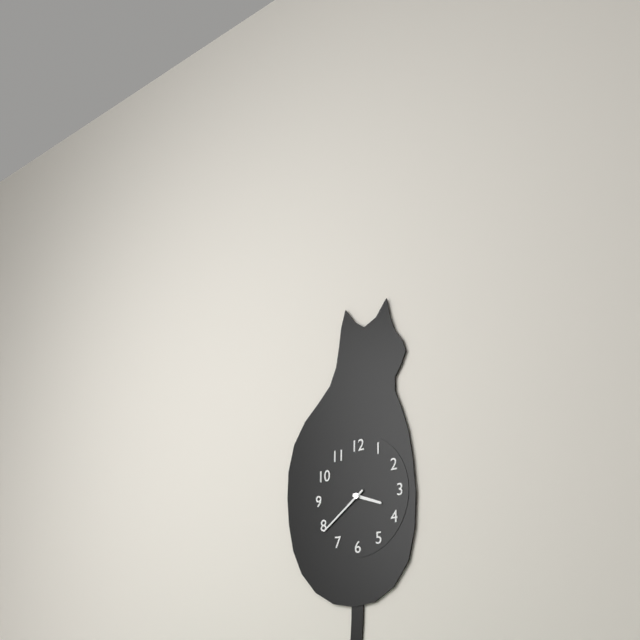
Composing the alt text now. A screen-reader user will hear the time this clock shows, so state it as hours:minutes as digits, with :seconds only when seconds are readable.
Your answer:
3:39
